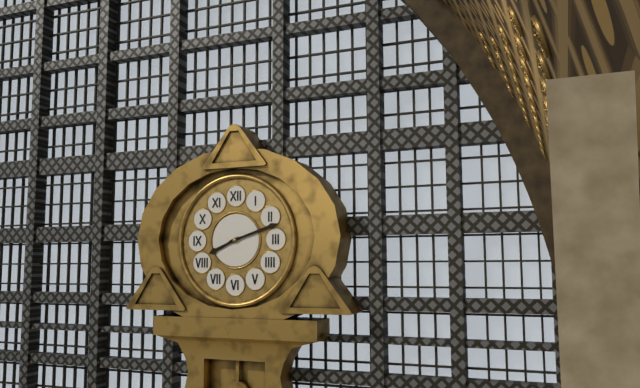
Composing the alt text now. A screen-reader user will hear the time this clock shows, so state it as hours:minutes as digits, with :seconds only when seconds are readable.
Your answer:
8:12
